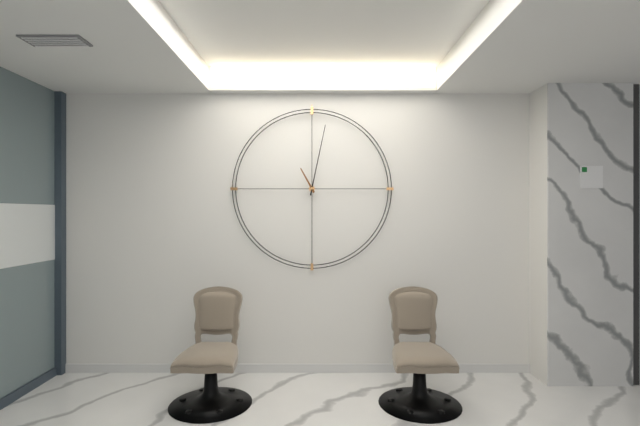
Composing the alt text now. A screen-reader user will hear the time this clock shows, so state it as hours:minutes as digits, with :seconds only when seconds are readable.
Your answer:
11:02
